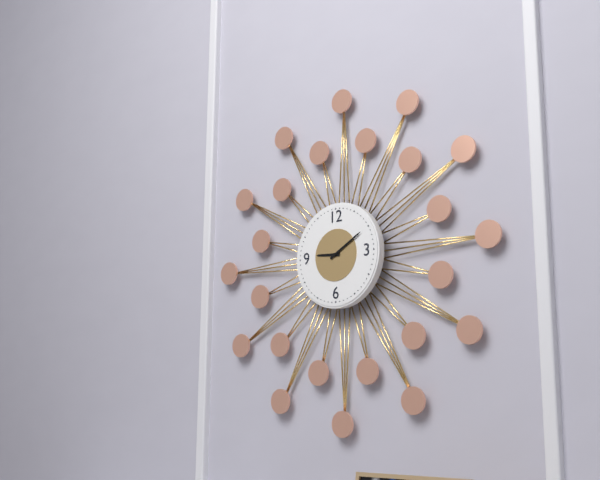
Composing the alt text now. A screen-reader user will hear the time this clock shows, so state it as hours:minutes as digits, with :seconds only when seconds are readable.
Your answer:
9:10
